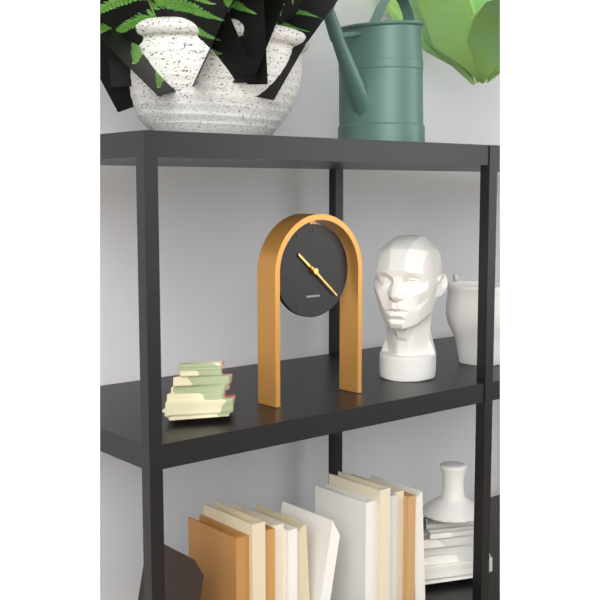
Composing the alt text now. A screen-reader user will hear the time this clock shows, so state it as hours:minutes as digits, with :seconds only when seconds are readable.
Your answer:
10:22
